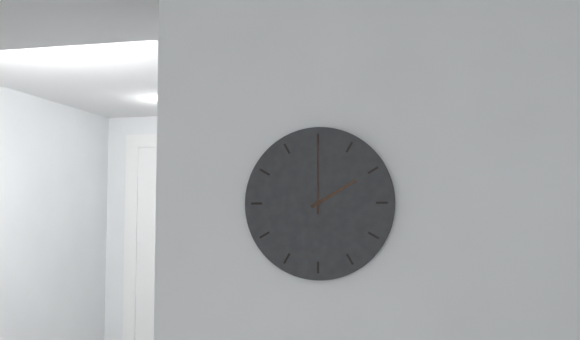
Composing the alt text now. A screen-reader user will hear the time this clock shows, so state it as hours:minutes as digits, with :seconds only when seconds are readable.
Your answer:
2:00
